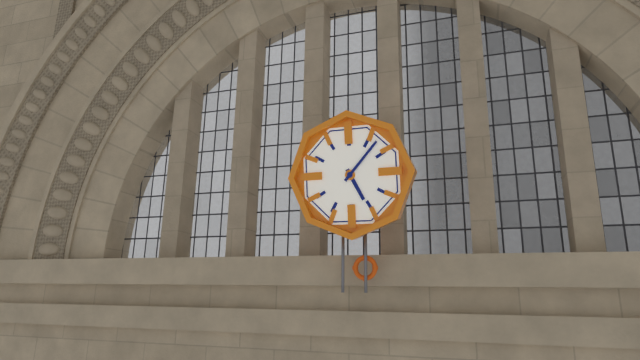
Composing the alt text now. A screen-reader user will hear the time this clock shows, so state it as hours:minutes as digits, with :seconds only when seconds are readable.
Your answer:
5:07
